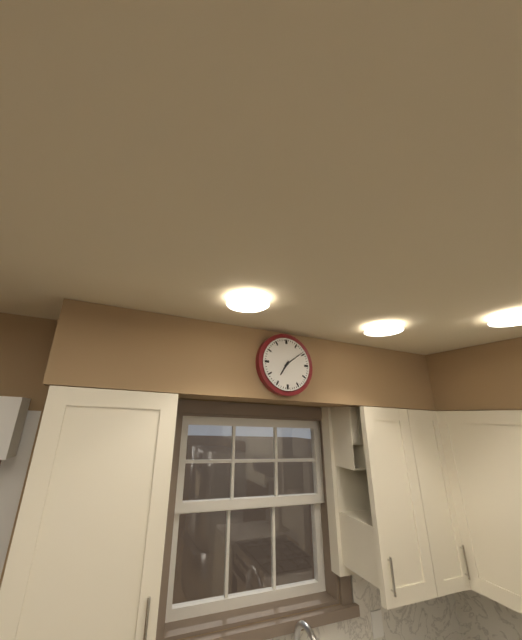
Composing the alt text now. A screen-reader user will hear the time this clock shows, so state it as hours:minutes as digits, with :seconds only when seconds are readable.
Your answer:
7:09
